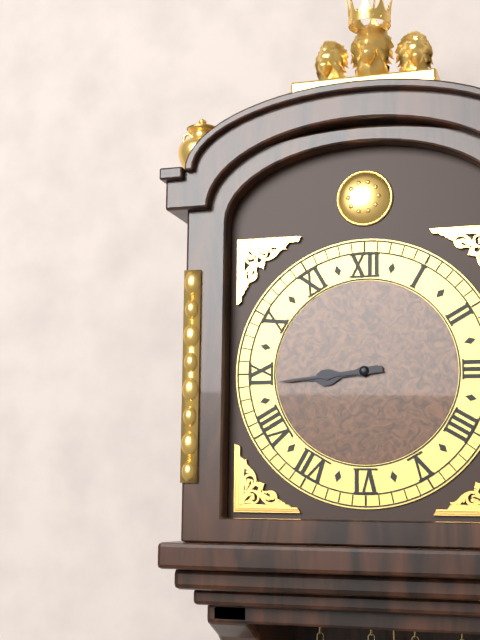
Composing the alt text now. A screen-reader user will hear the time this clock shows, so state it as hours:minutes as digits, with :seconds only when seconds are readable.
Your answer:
8:44
